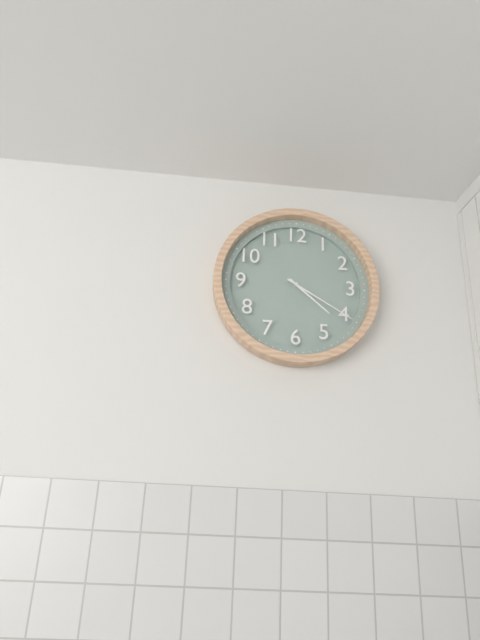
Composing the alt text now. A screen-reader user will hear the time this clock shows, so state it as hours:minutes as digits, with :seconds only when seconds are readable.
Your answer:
4:20
